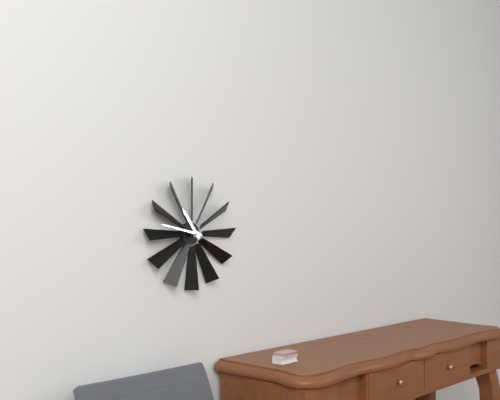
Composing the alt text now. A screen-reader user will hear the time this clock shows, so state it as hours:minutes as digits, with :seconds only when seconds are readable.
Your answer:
10:47
